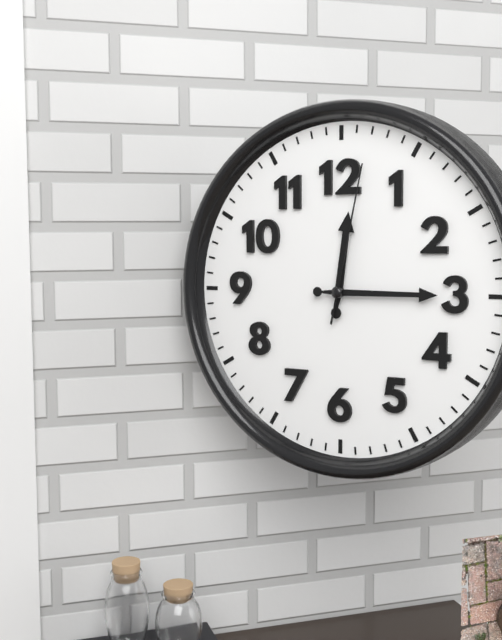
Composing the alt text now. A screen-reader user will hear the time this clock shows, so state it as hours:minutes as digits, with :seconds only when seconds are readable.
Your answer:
12:15:02
